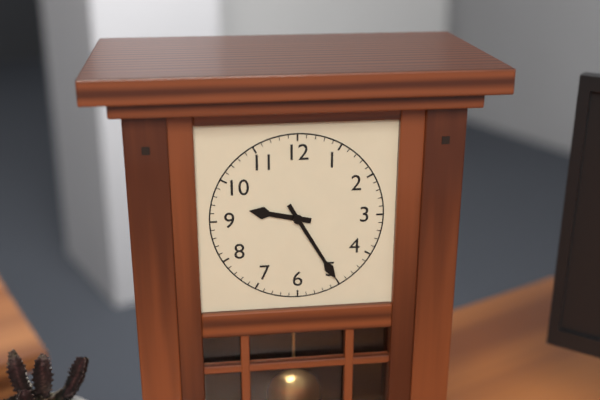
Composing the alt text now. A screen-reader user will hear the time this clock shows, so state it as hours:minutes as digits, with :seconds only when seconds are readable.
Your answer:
9:25
